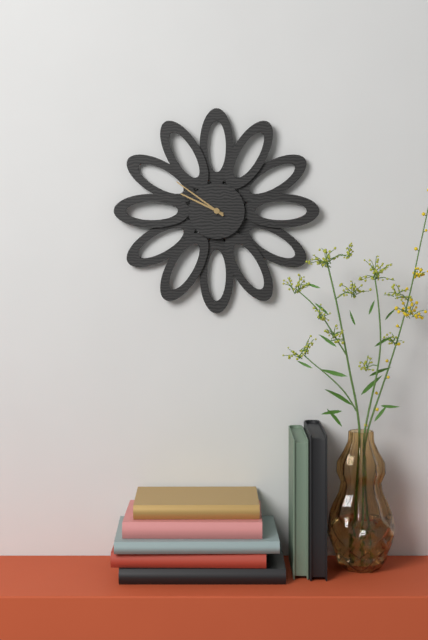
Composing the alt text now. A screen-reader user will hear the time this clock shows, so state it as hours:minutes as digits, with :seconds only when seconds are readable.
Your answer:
9:51
